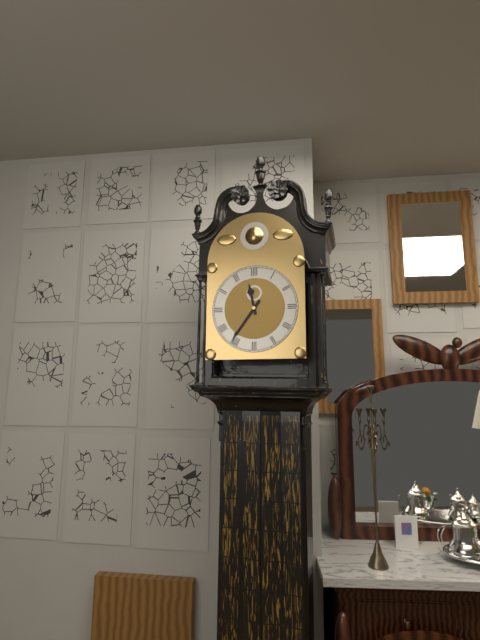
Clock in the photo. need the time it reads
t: 11:36
